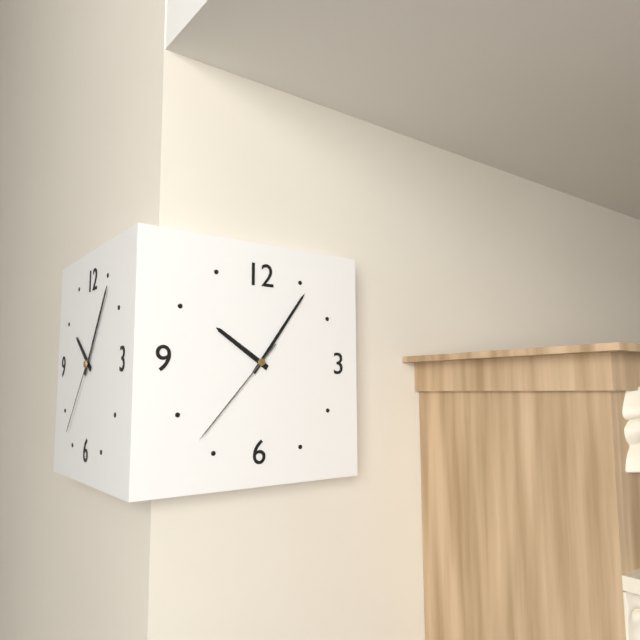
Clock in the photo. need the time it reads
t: 10:06:37
